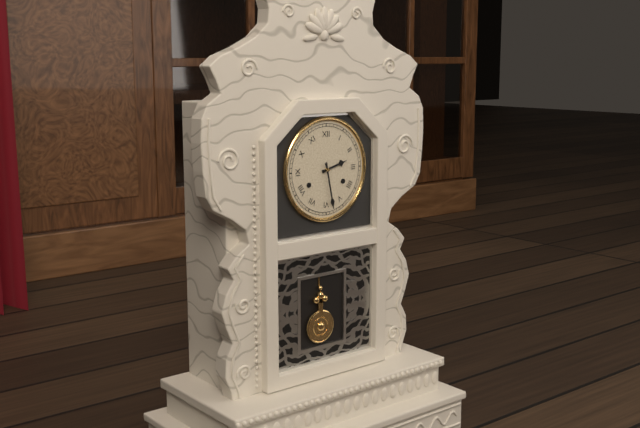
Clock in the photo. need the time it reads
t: 2:28
